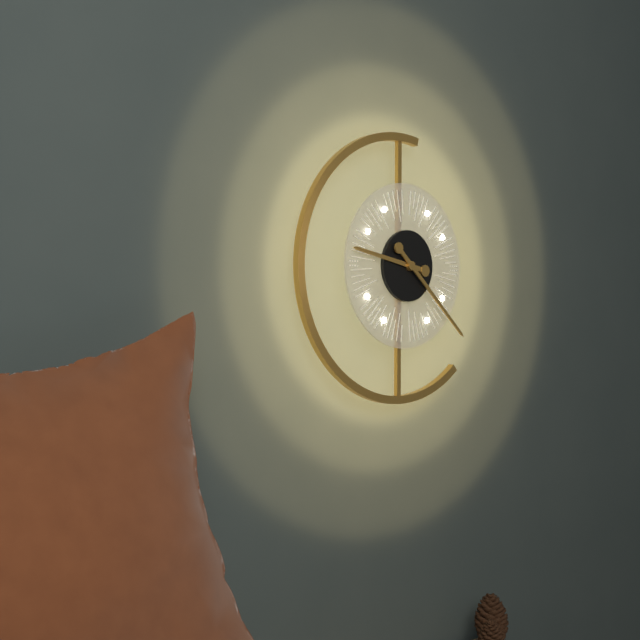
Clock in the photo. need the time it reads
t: 9:22
